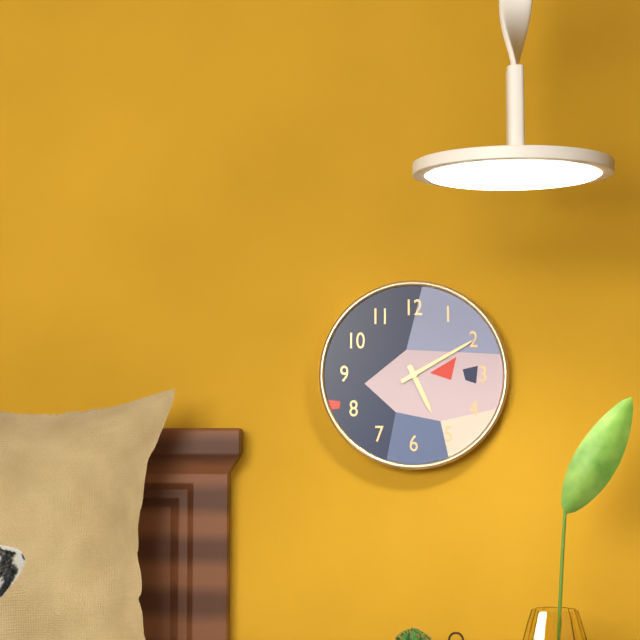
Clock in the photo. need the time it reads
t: 5:10
